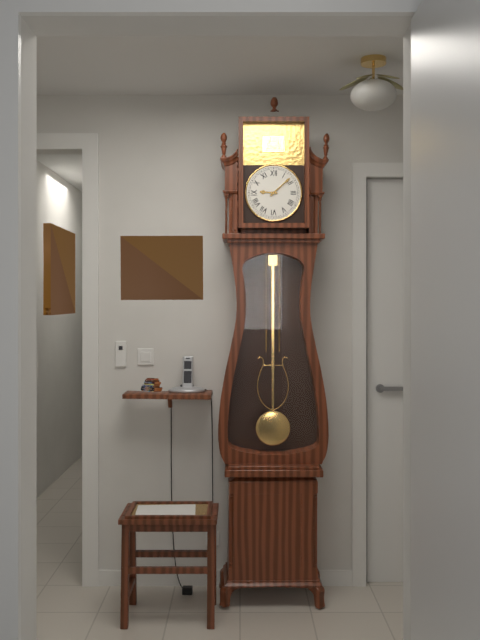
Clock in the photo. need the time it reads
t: 9:08
